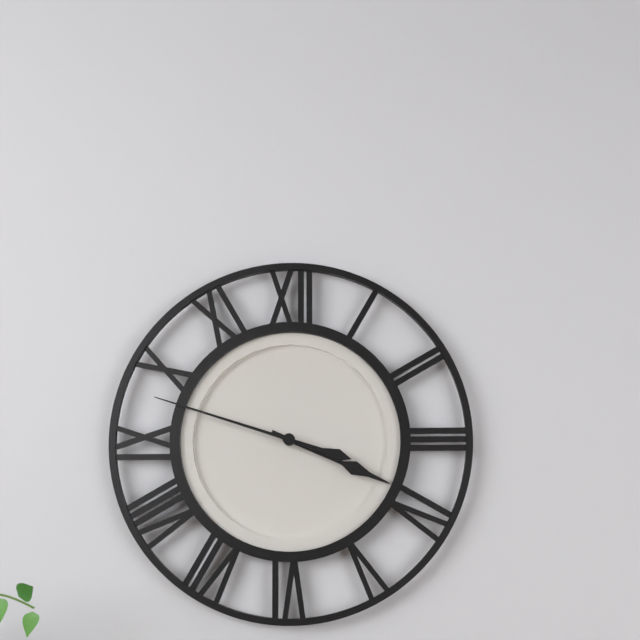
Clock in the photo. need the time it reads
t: 3:48
